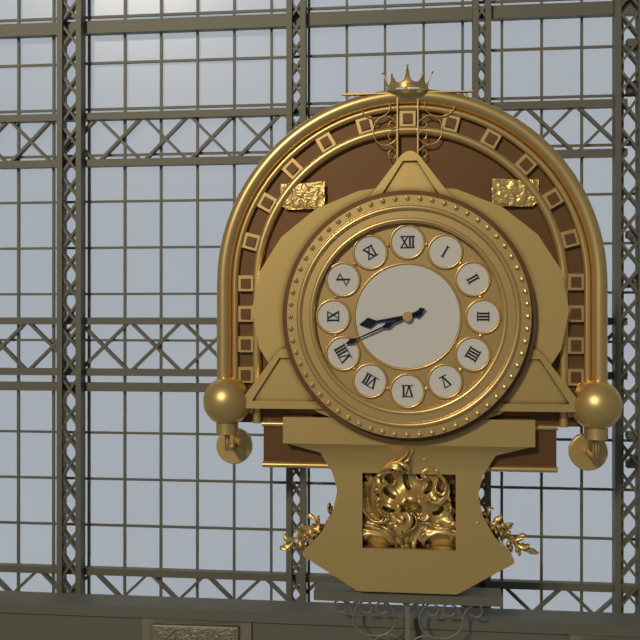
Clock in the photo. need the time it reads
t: 8:41
